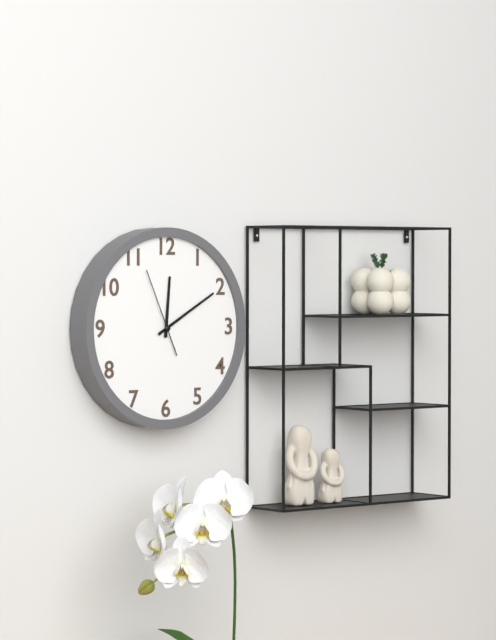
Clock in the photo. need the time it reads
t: 12:10:56
